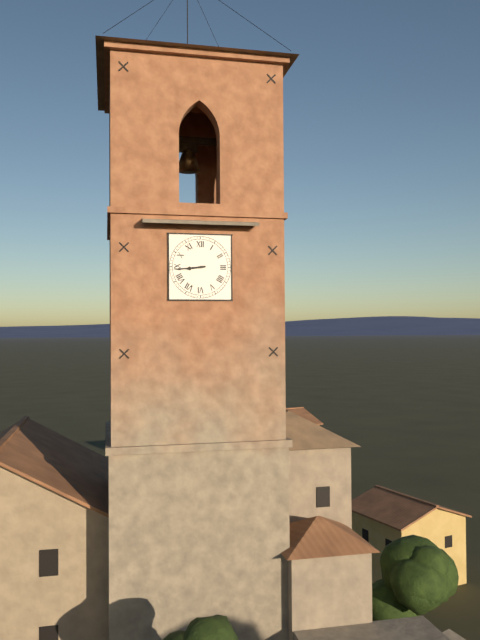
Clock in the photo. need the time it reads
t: 8:44
